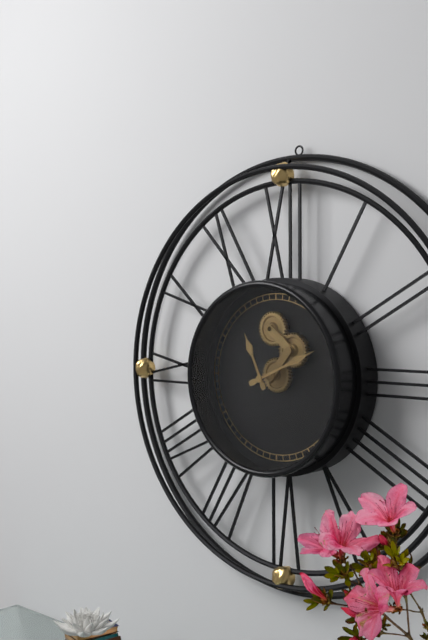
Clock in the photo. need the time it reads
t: 11:11
